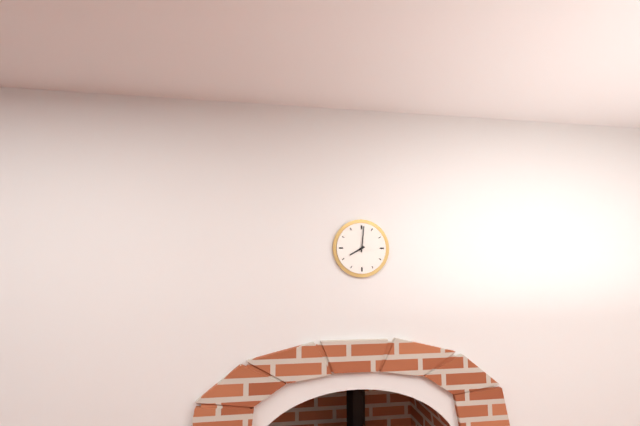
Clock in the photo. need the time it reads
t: 8:01
